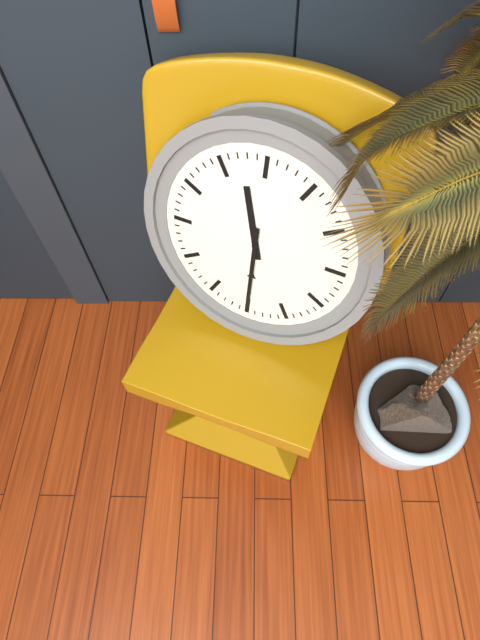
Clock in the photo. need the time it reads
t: 11:30
